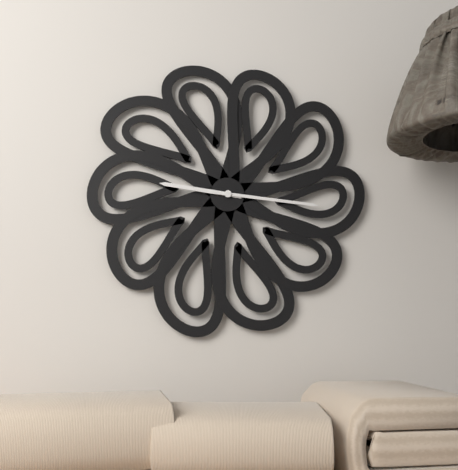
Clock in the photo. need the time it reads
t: 9:16
